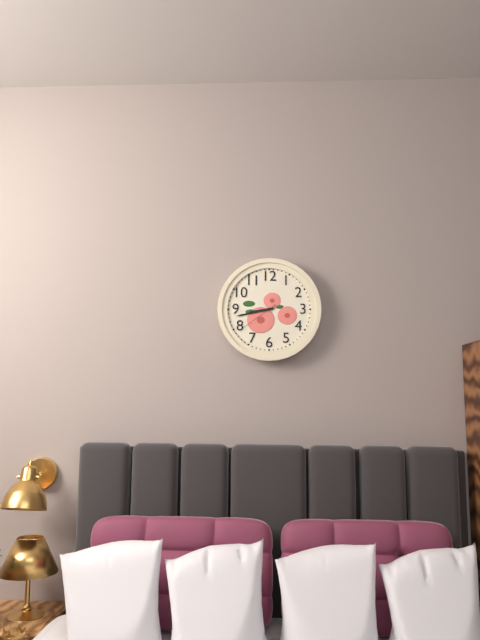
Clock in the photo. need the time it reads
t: 8:43
